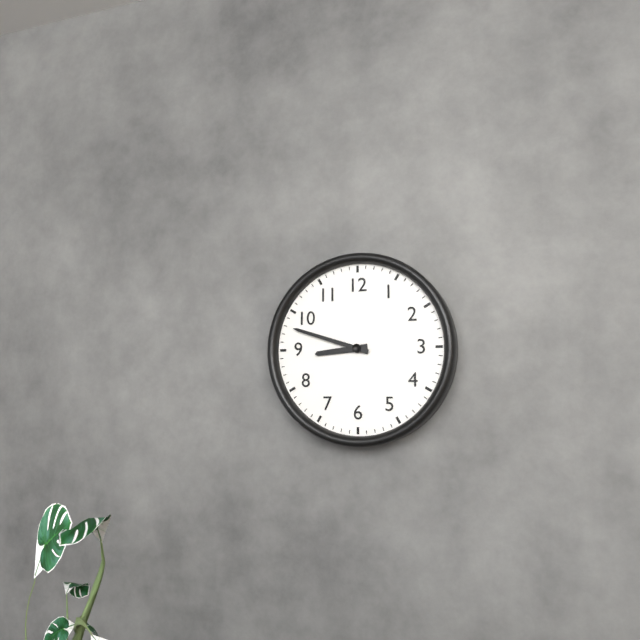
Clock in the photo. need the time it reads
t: 8:48
